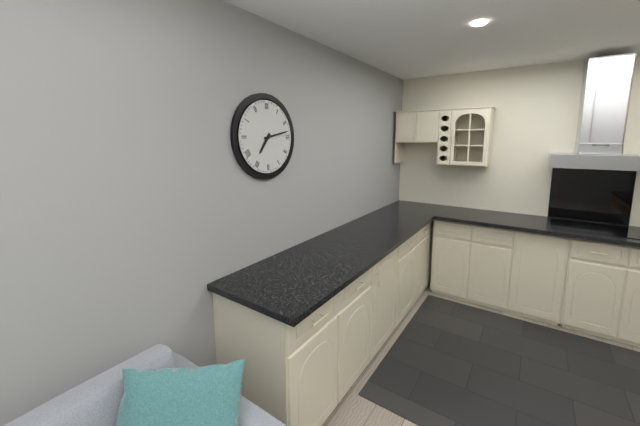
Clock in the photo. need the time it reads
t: 7:13
